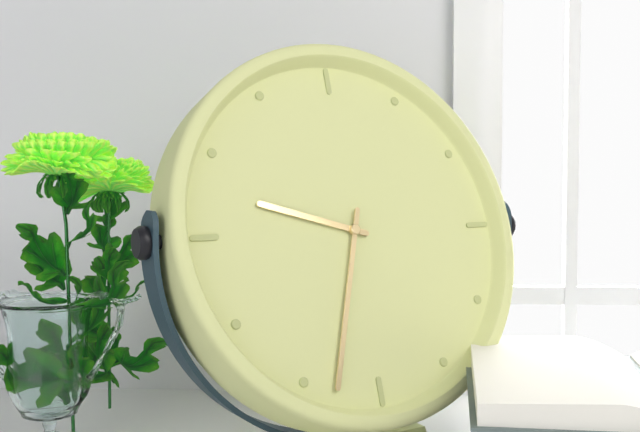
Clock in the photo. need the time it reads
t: 9:33
